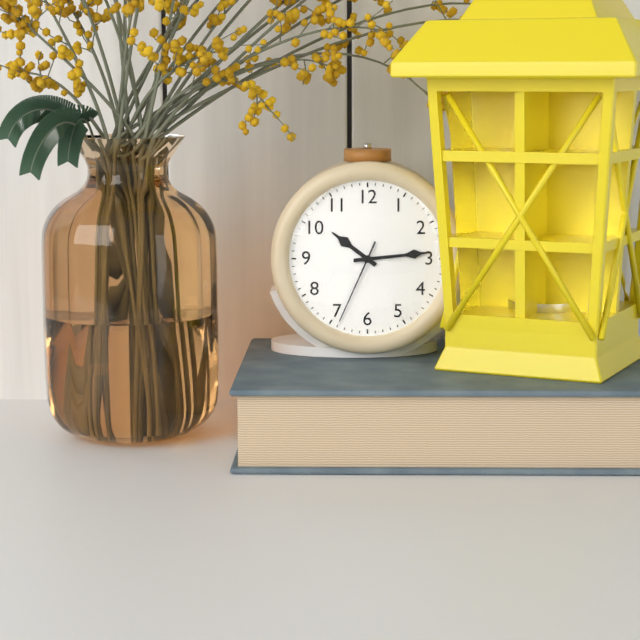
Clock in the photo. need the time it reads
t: 10:14:34
